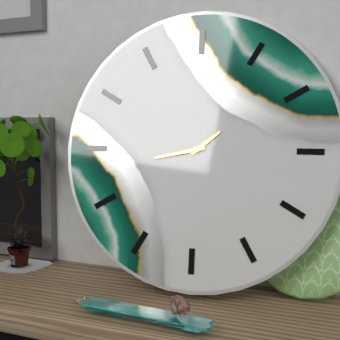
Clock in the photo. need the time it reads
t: 1:43
